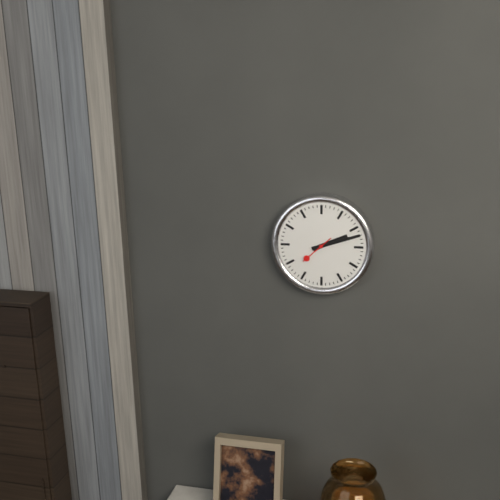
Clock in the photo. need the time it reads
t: 2:12
